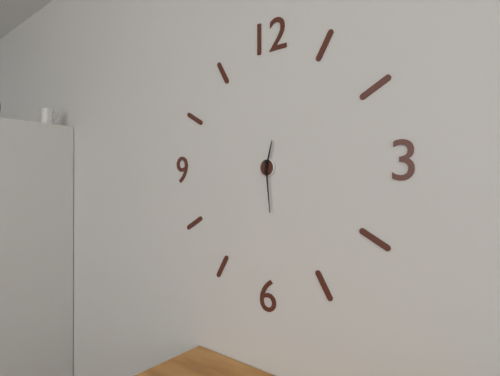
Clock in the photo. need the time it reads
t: 12:29
